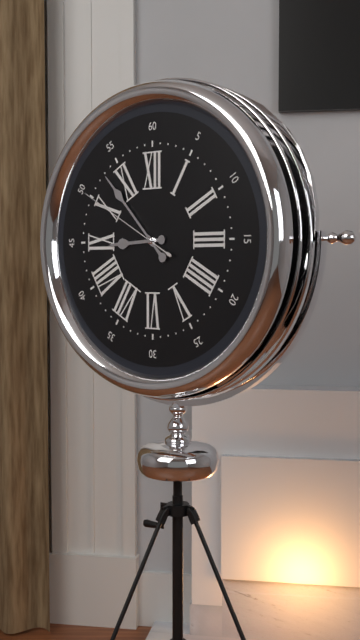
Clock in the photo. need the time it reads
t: 8:53:50
